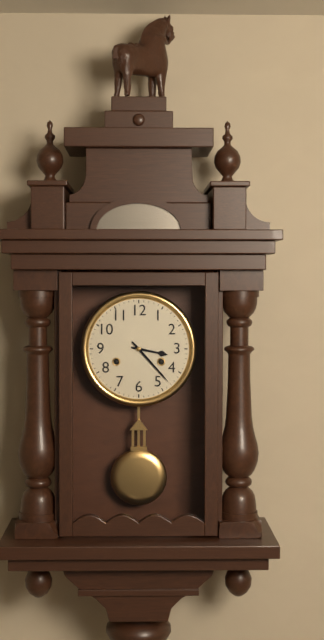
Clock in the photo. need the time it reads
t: 3:23
